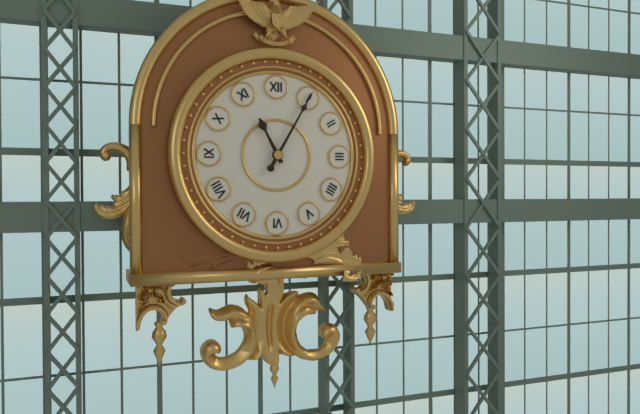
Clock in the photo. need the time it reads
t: 11:05
